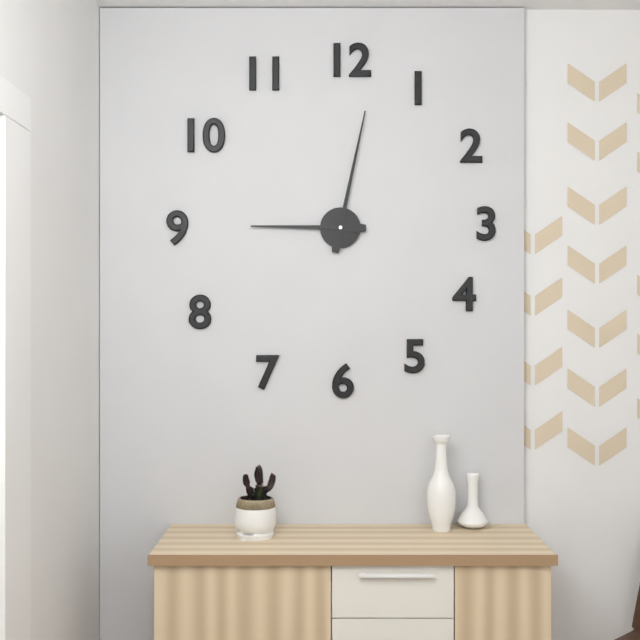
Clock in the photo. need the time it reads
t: 9:02
